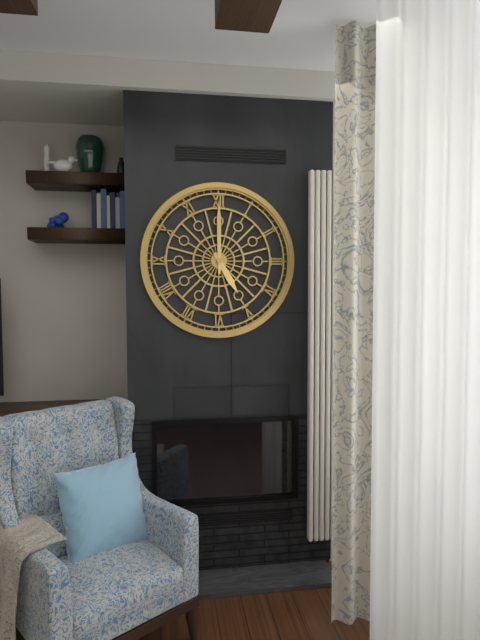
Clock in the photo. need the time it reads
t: 5:00
